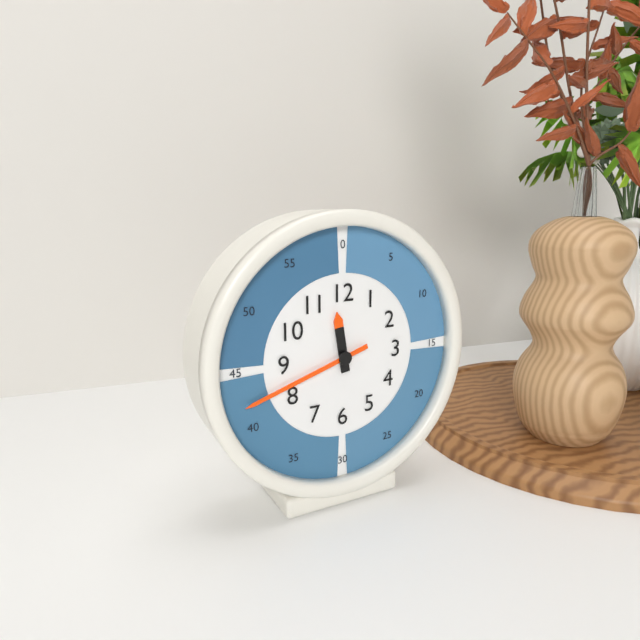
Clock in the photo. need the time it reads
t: 11:42
